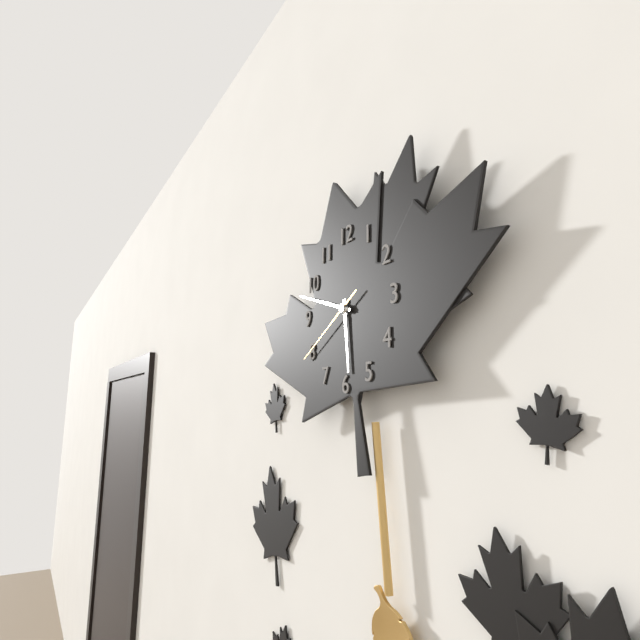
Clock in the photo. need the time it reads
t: 5:48:40
